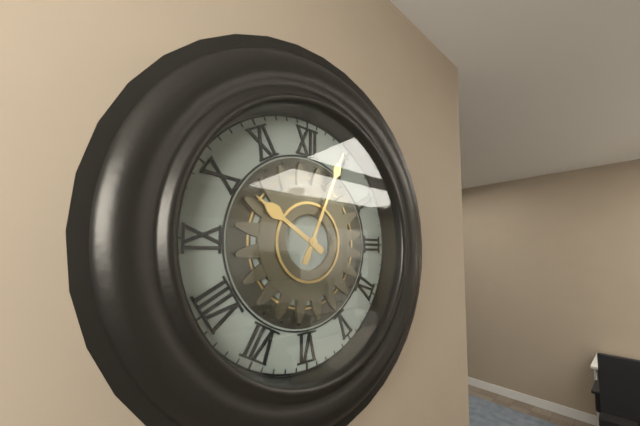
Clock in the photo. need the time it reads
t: 10:04
